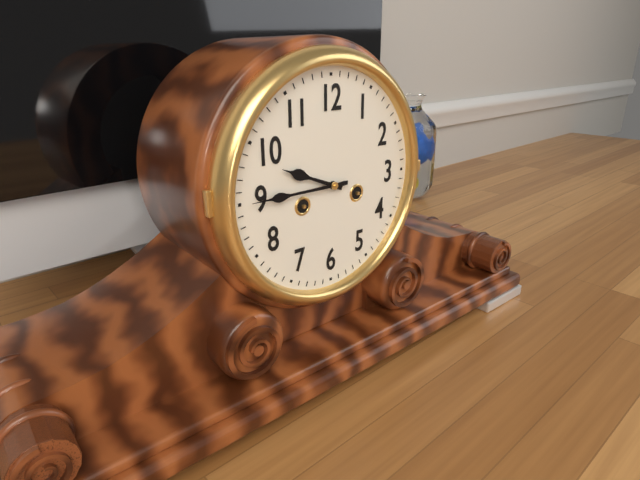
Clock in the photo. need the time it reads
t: 9:45
